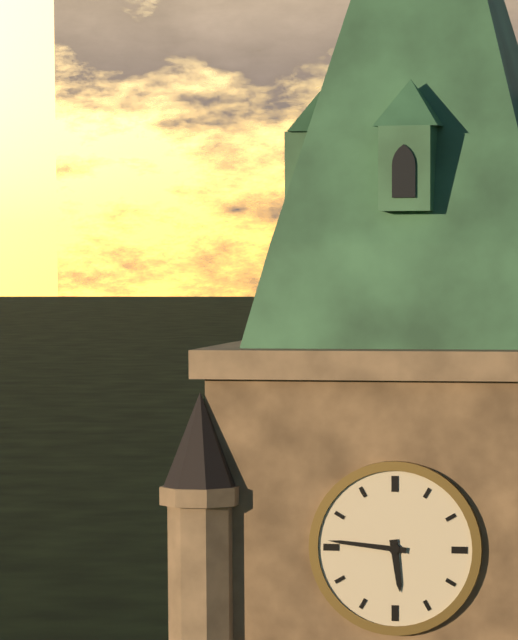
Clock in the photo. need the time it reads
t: 5:46
